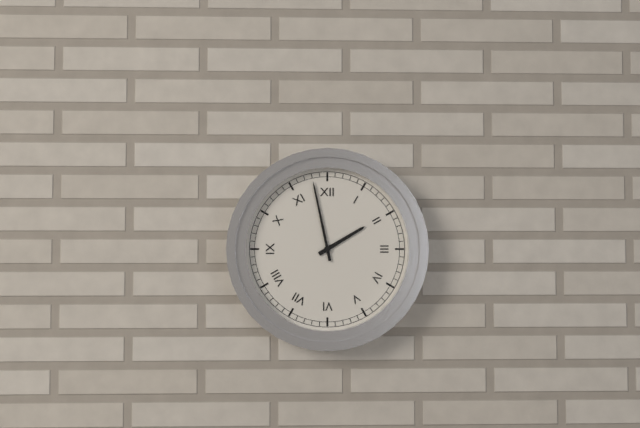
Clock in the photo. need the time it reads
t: 1:58
